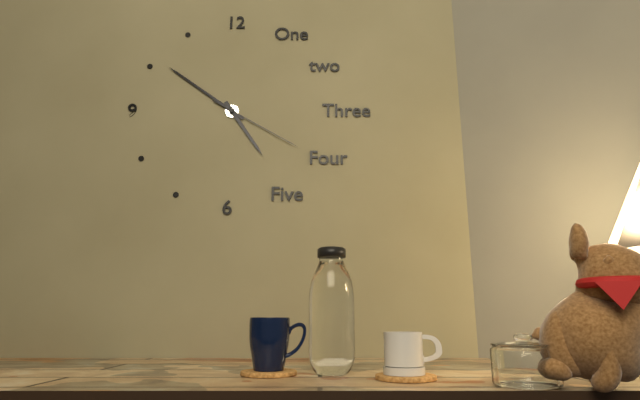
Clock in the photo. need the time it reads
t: 4:51:20
